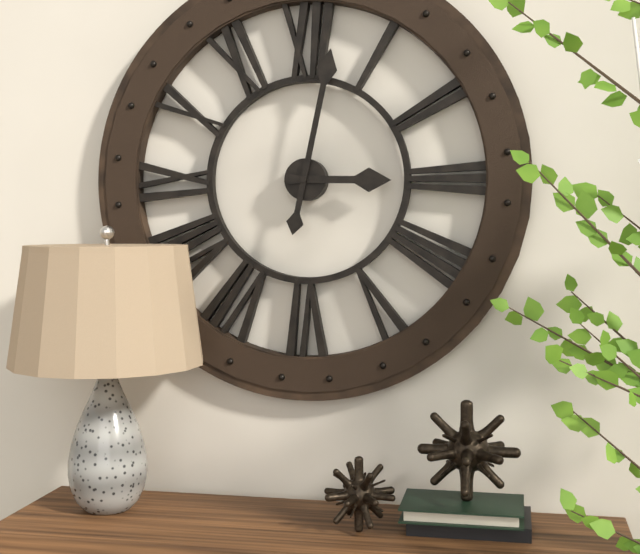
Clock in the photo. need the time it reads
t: 3:02
